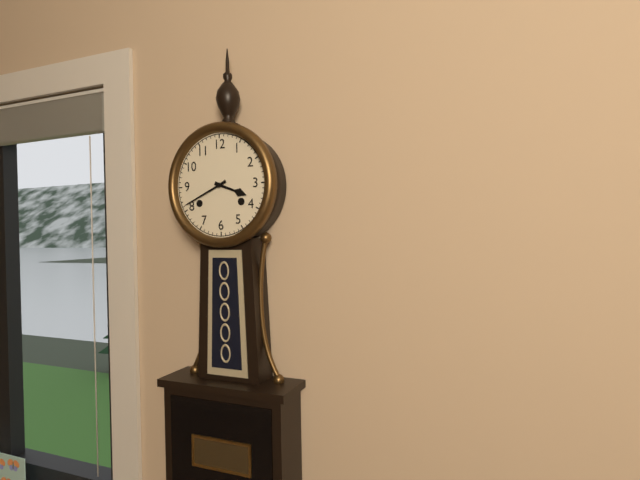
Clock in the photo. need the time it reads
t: 3:41
